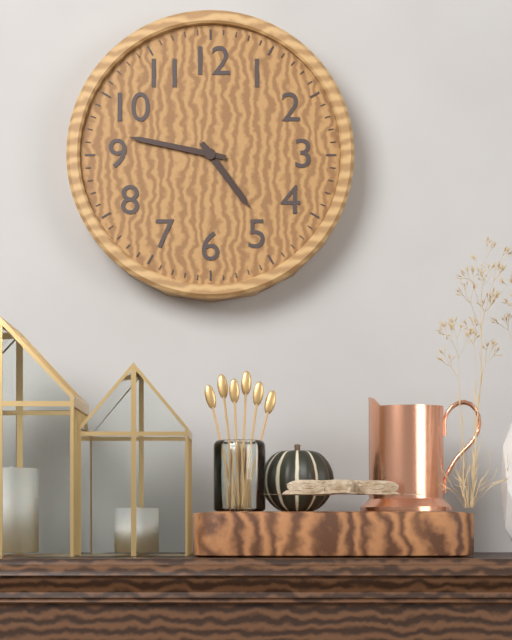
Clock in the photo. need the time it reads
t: 4:47
